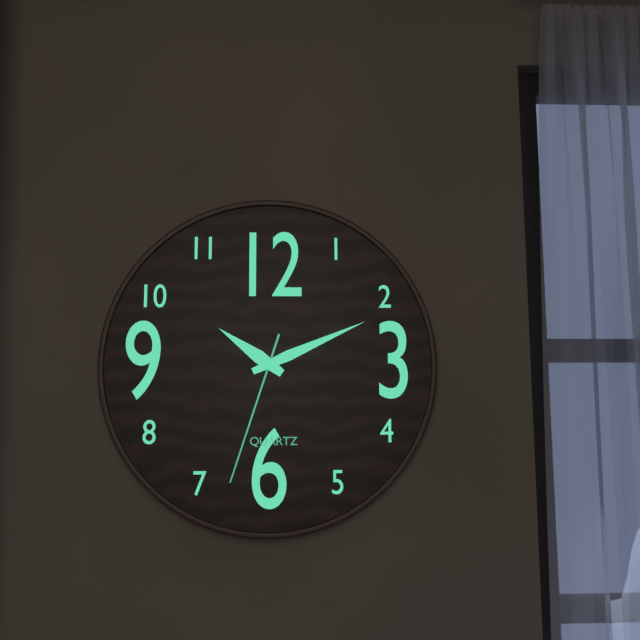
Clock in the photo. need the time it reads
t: 10:11:33
